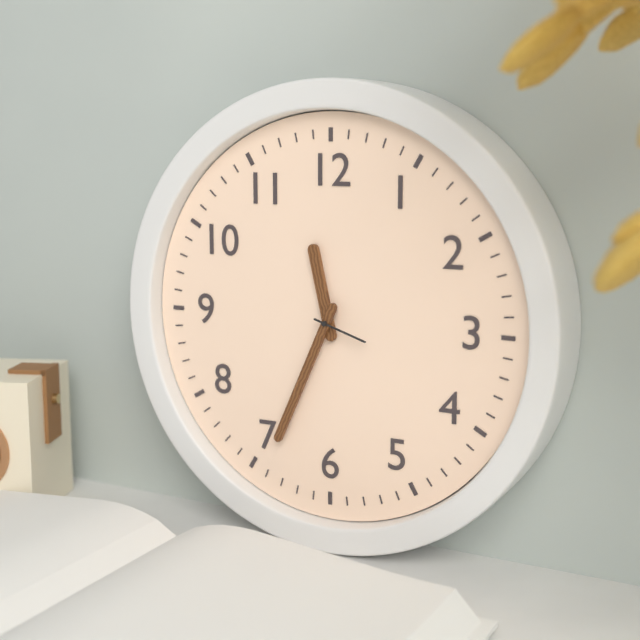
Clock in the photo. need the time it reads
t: 11:34:18
